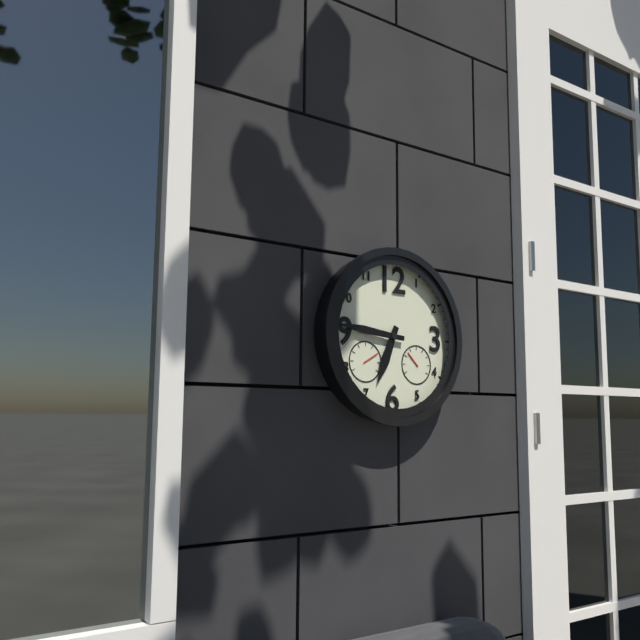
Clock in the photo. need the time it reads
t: 6:46
